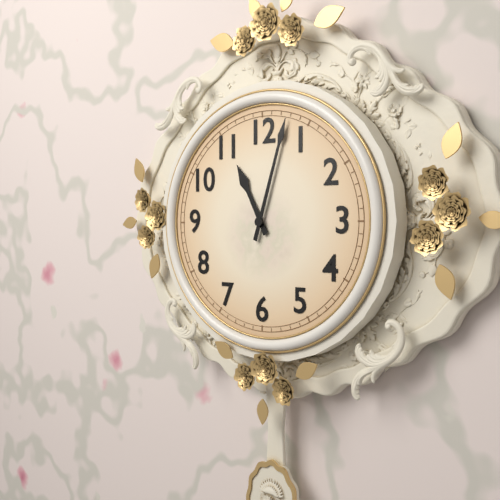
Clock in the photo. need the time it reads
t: 11:03
